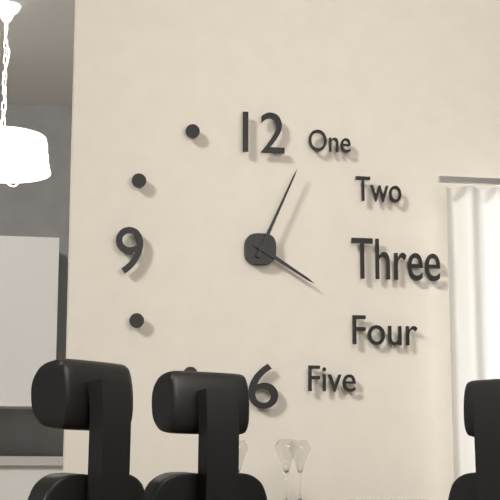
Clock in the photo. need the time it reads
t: 4:04
